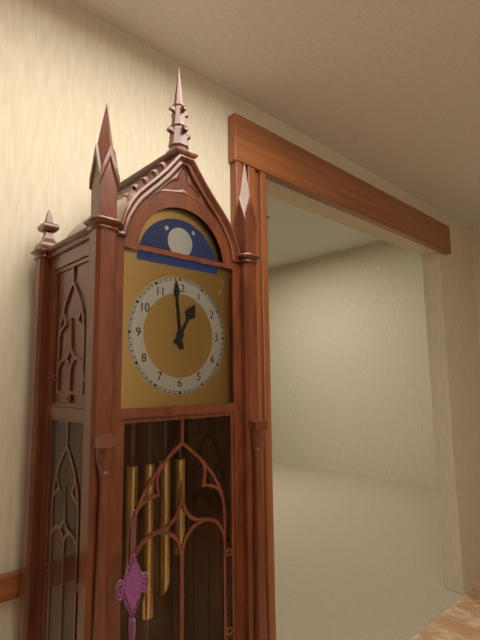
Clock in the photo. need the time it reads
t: 12:59
